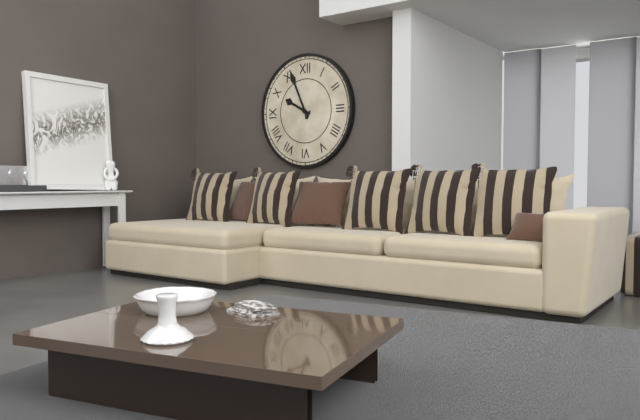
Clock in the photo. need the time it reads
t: 9:56
